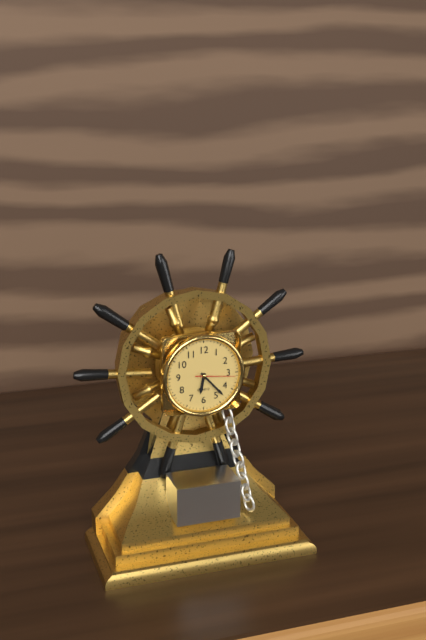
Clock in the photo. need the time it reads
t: 6:23
